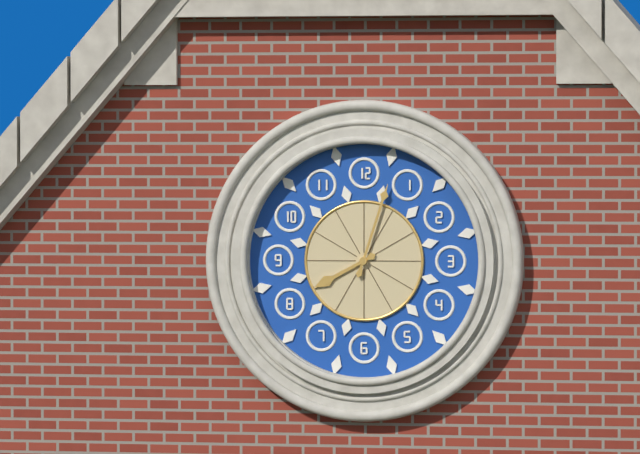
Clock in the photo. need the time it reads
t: 8:03
